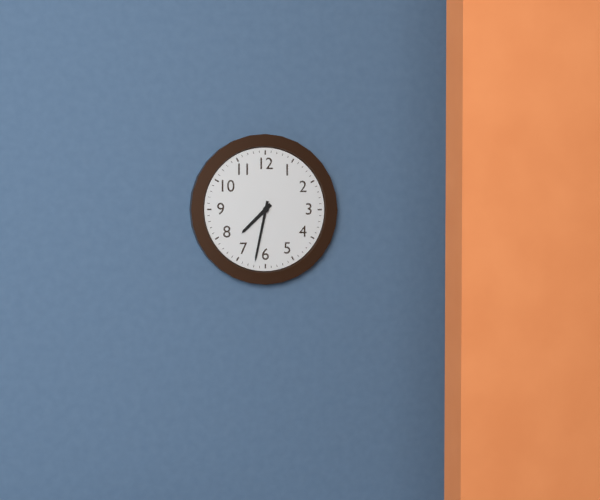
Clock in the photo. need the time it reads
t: 7:32
